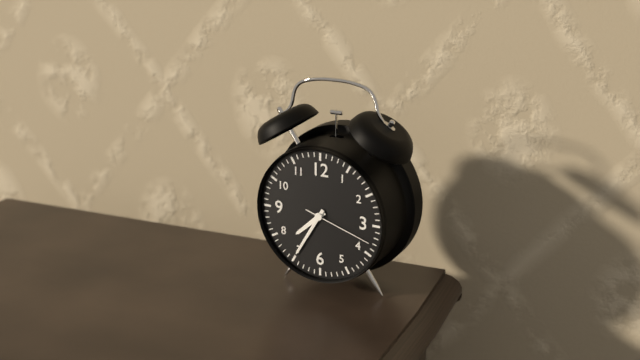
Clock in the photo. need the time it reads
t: 7:35:18
